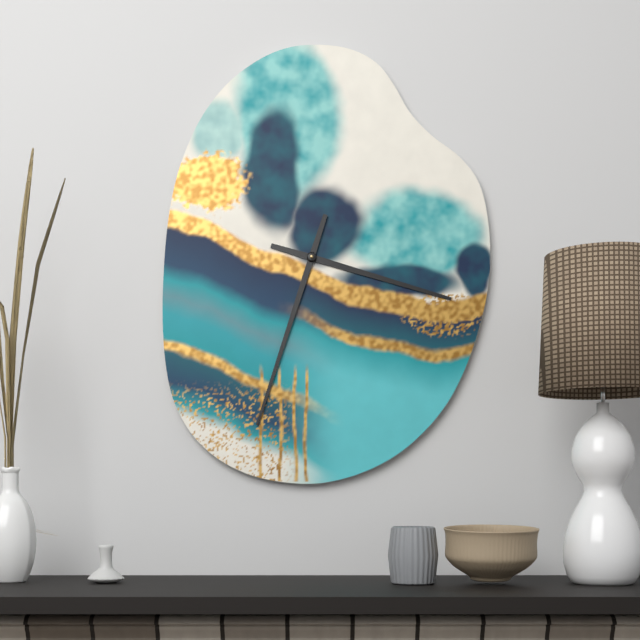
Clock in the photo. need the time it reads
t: 3:33
